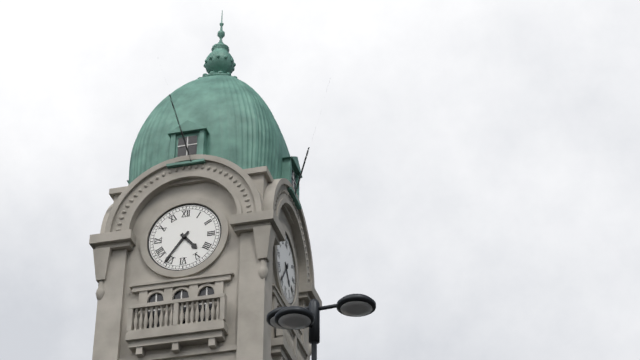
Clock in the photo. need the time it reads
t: 4:36
